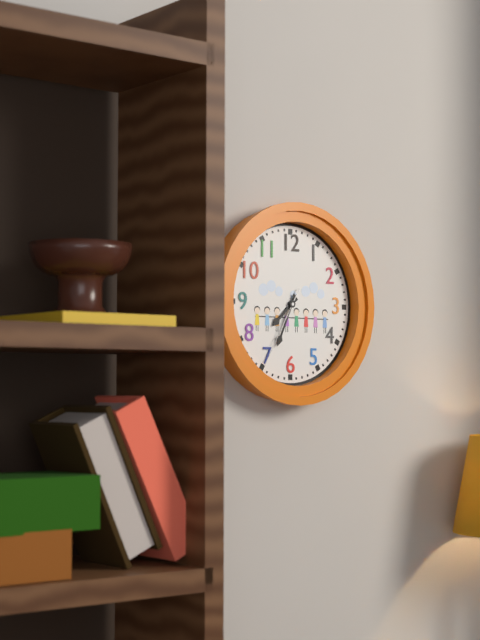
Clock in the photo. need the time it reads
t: 7:34:35
